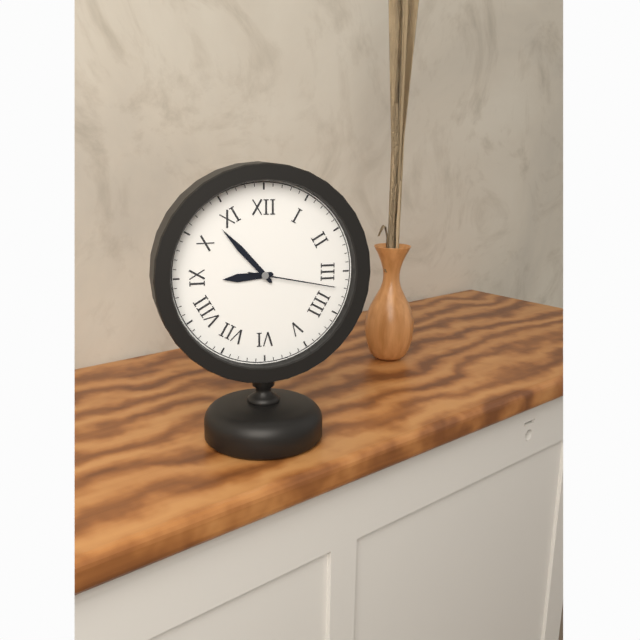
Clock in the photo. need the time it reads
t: 8:53:17
